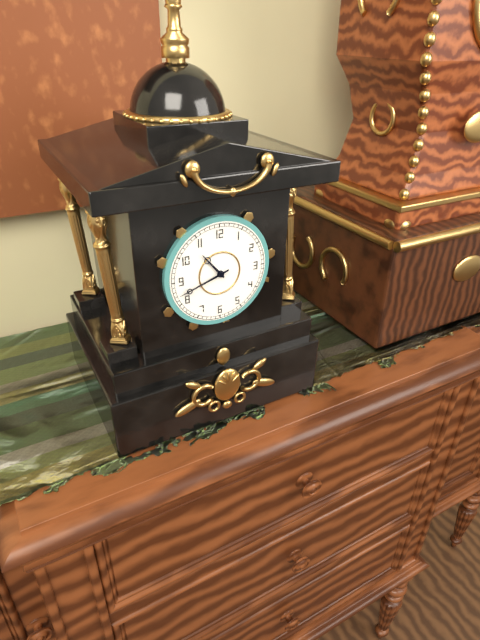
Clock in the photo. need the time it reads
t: 10:42
